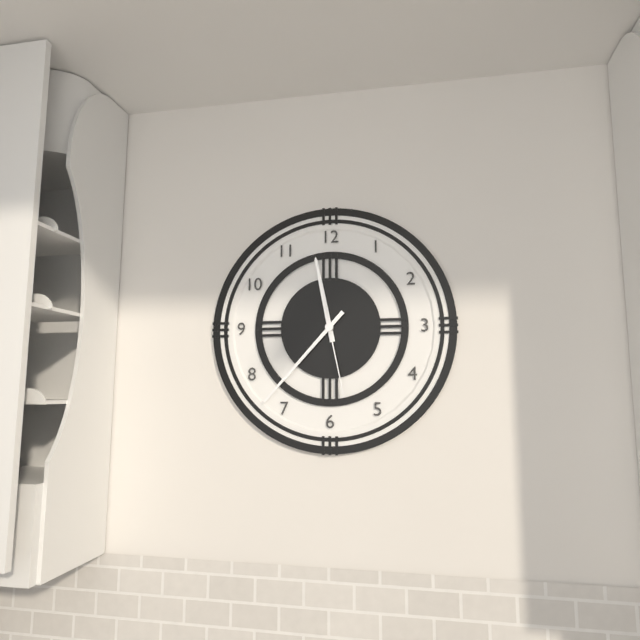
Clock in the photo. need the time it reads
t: 11:37:28
